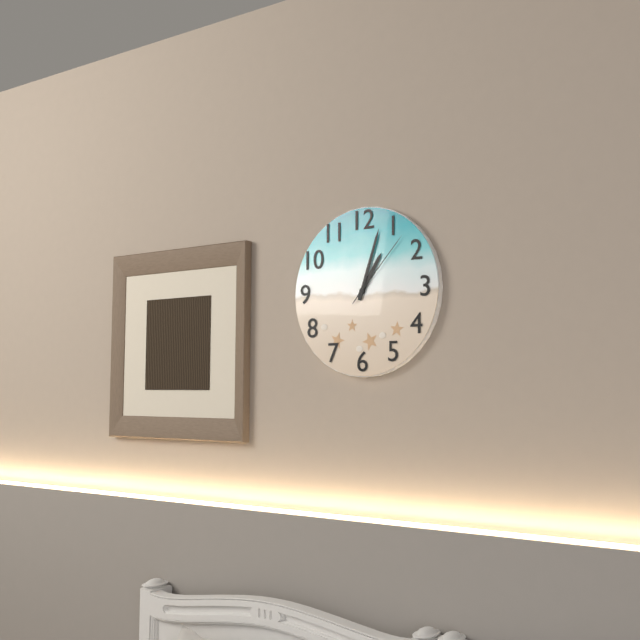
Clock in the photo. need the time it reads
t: 1:03:07
